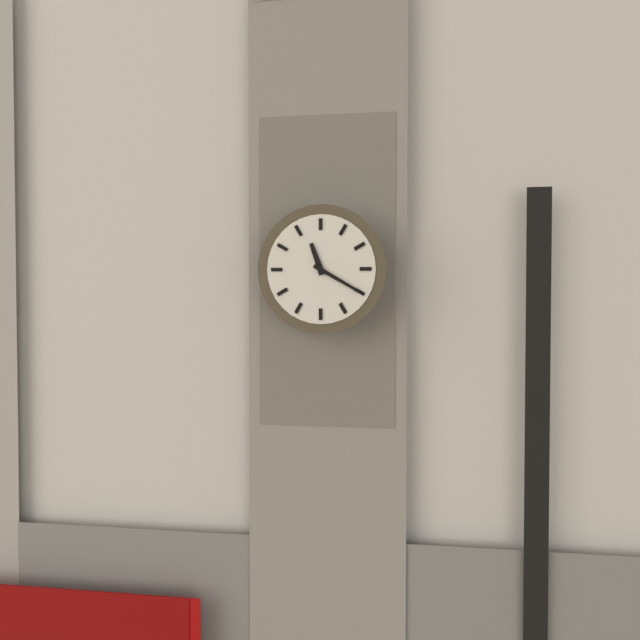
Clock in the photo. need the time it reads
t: 11:20
